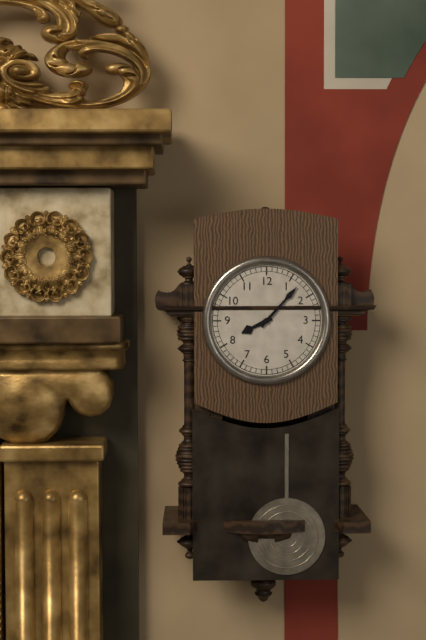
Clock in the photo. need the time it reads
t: 8:07
